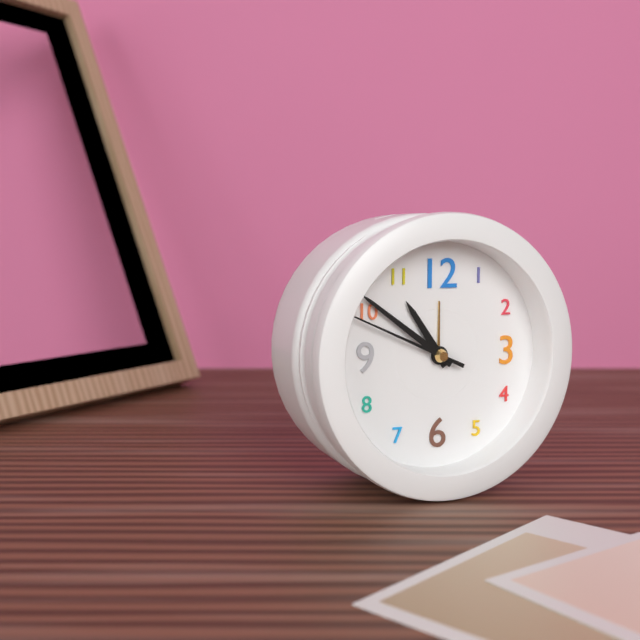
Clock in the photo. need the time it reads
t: 10:51:49
